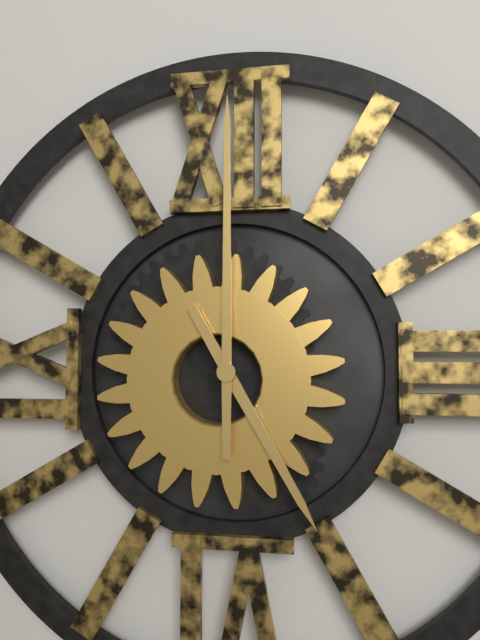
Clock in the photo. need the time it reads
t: 5:00
